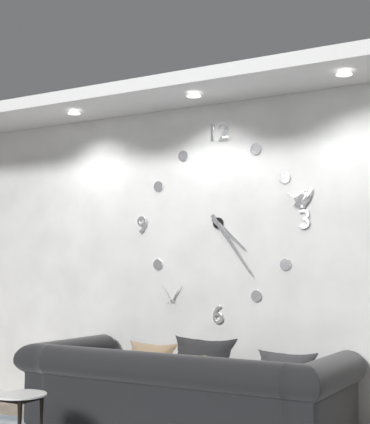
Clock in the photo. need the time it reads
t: 4:24
